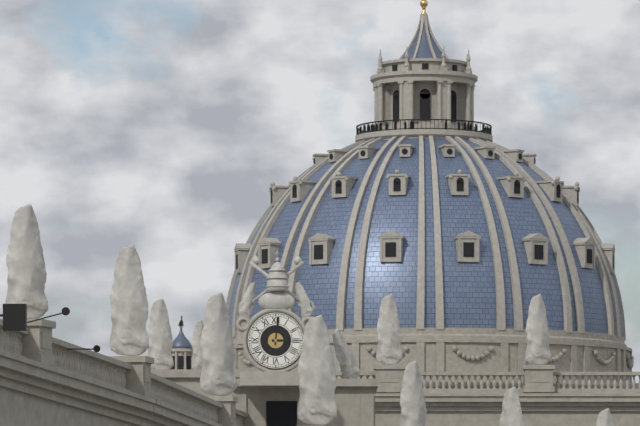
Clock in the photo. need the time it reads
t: 3:01
